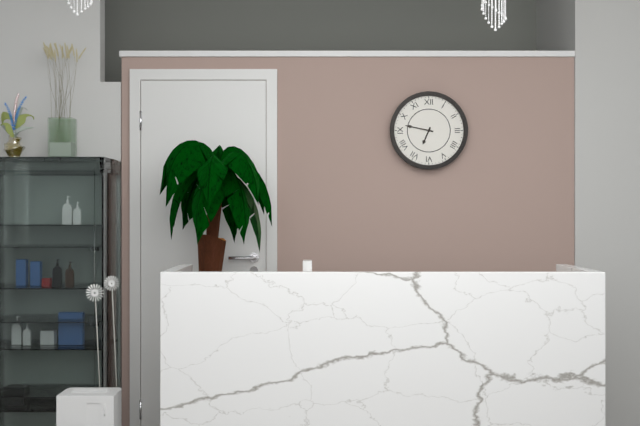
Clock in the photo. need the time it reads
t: 6:47
